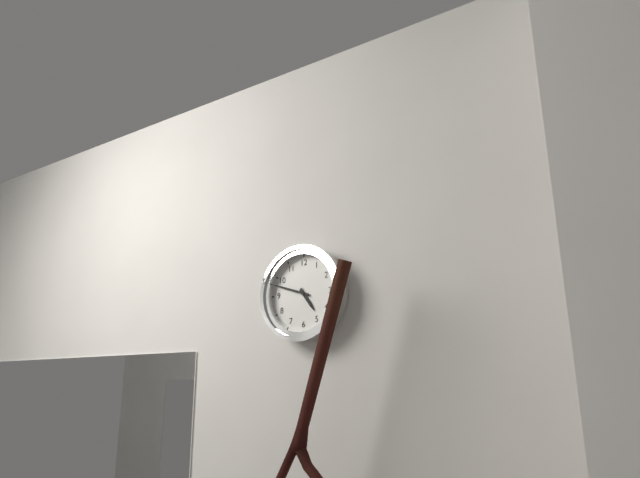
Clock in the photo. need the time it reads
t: 4:48
